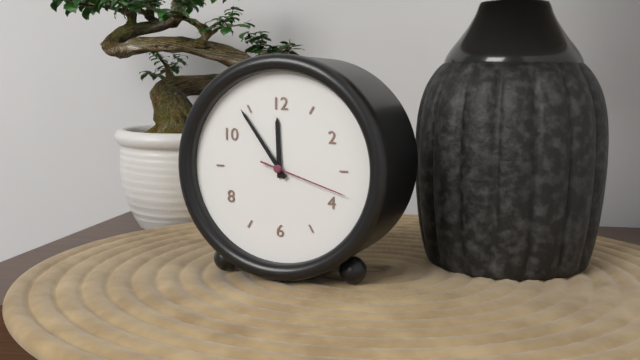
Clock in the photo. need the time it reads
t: 11:54:18
